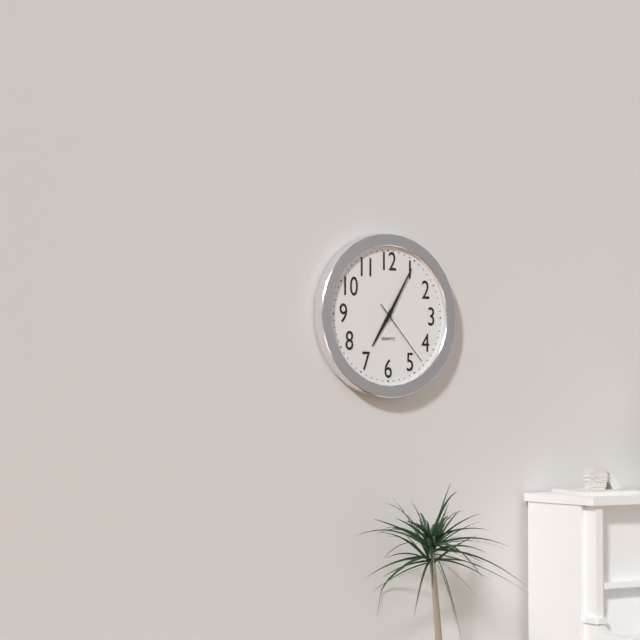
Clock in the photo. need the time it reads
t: 7:05:23
